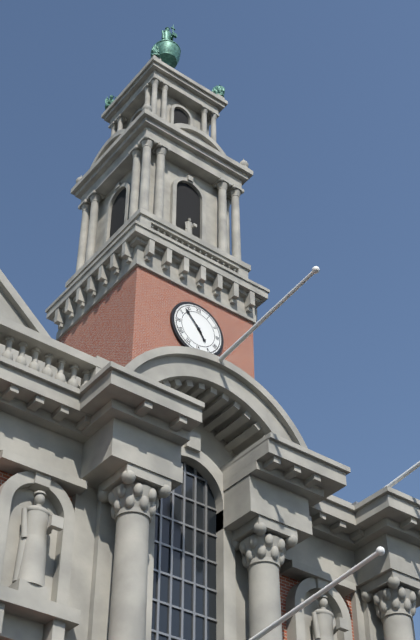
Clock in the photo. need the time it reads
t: 4:53
